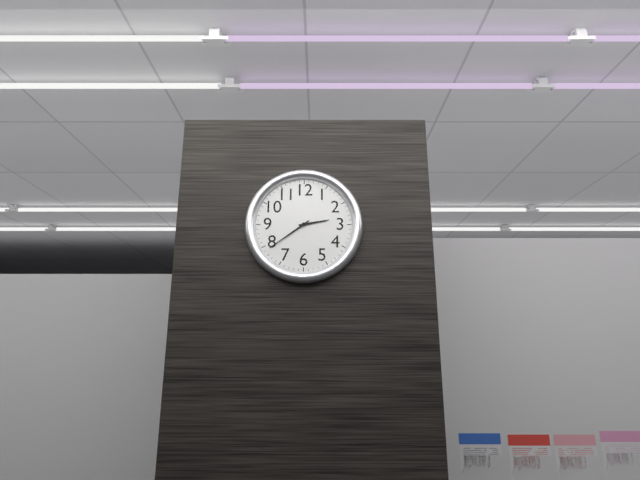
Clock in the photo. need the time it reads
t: 2:39
